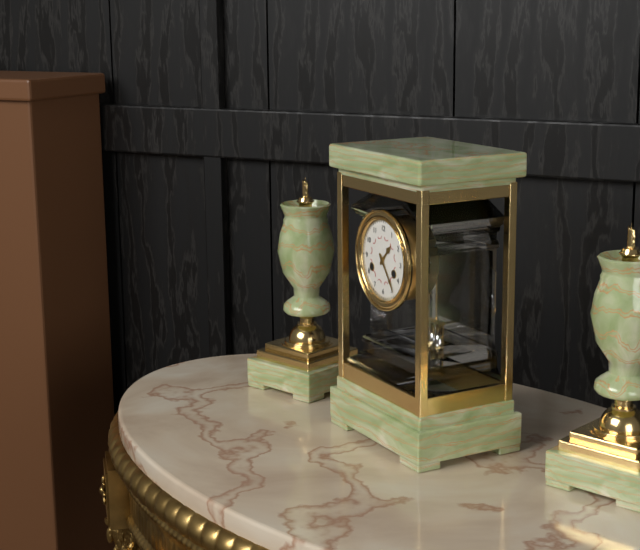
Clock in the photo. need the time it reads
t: 1:24
